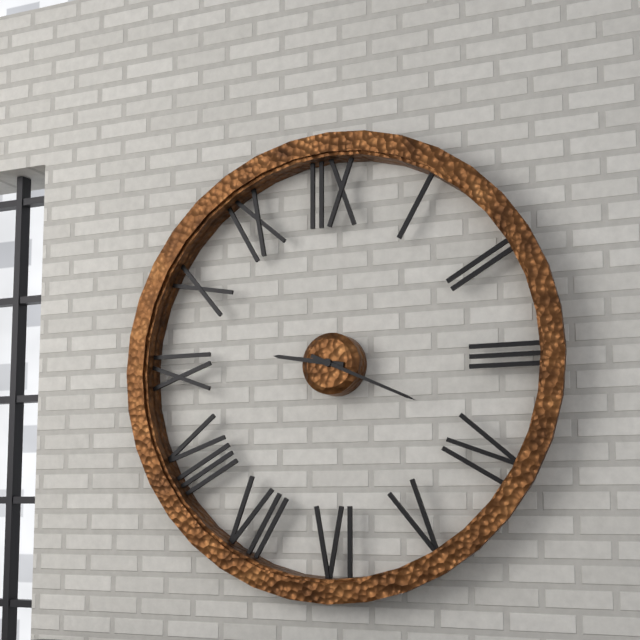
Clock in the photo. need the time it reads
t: 9:19
